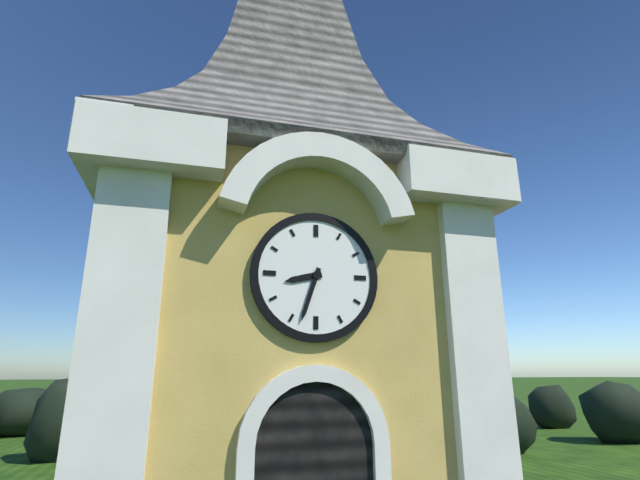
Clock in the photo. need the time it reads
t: 8:33
